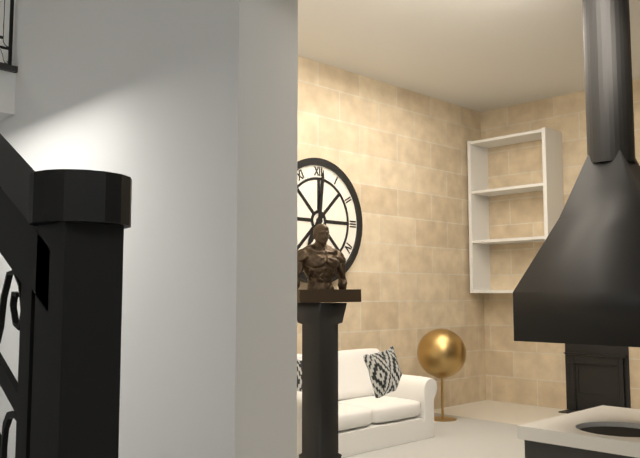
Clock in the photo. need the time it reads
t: 7:01
